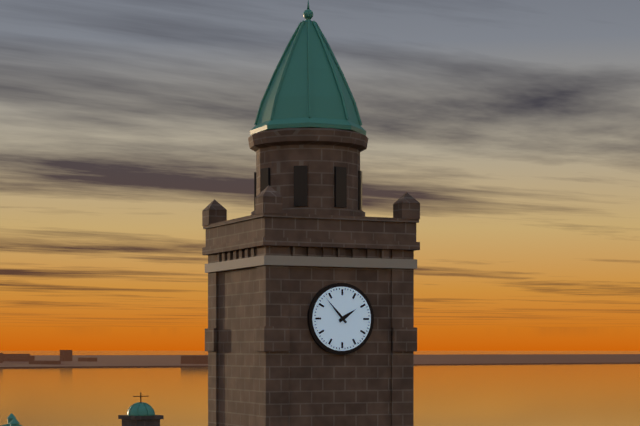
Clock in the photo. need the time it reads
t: 1:53
